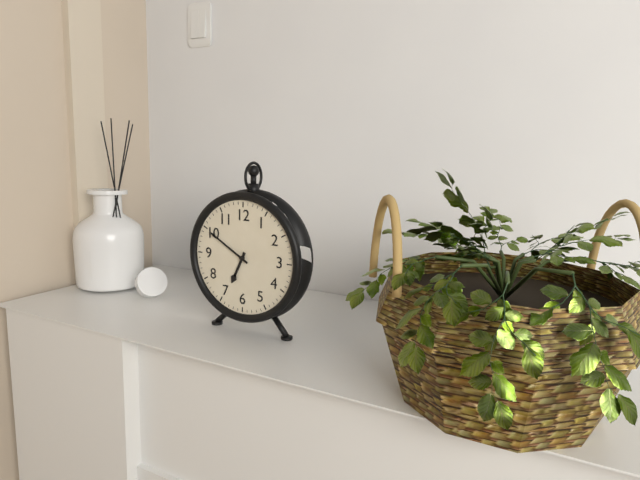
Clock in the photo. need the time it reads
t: 6:50
